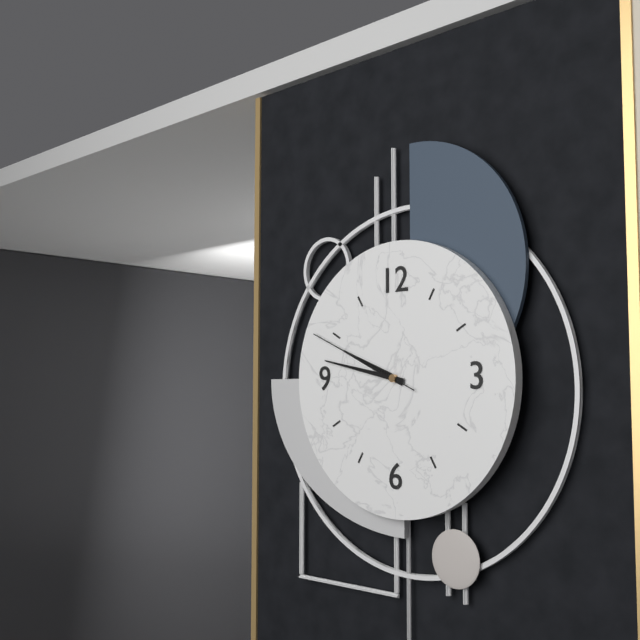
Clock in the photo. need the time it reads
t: 9:47:49
